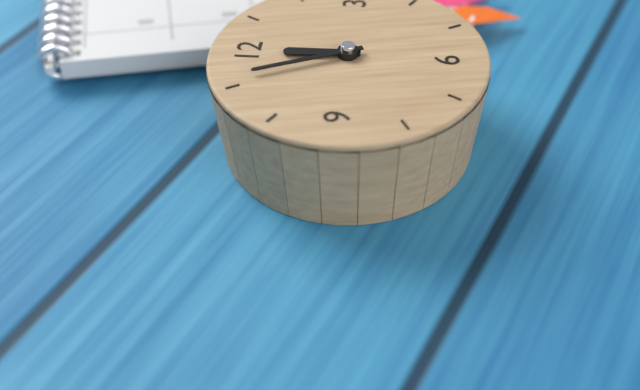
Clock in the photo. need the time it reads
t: 11:56
